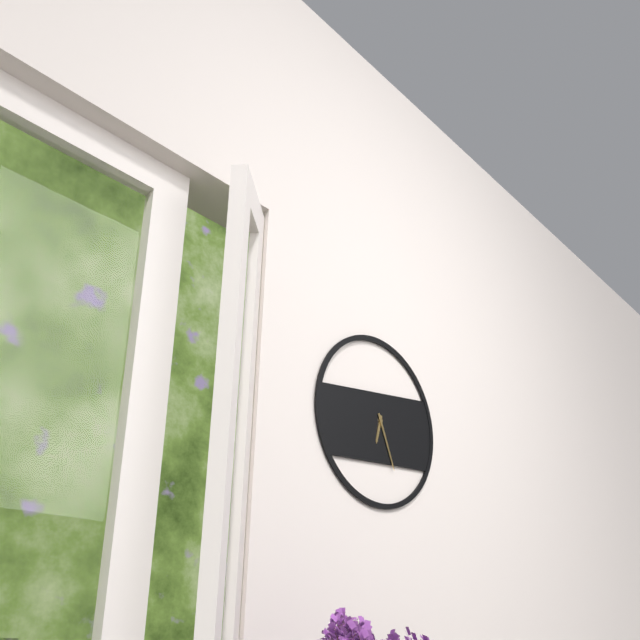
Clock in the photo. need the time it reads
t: 6:26
